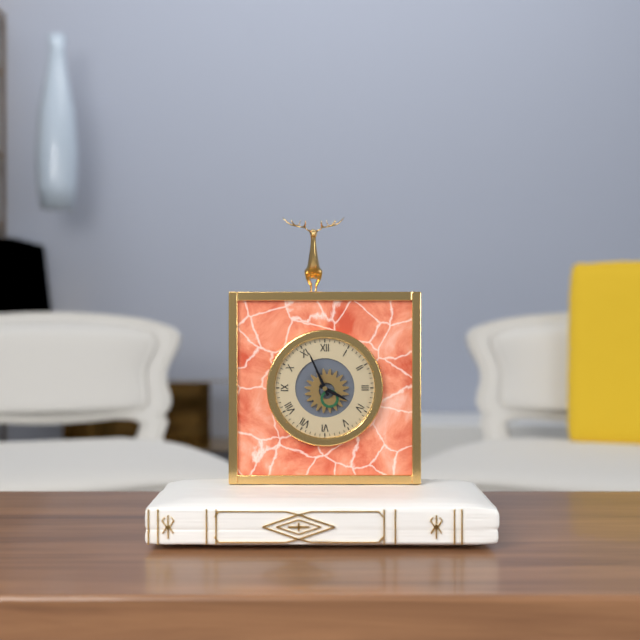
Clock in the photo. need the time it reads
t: 3:56
